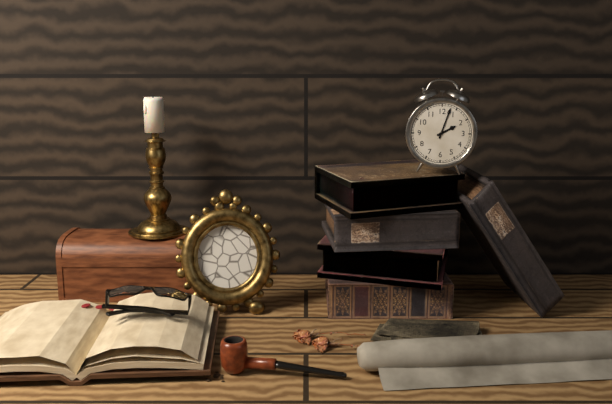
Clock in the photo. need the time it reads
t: 2:03
